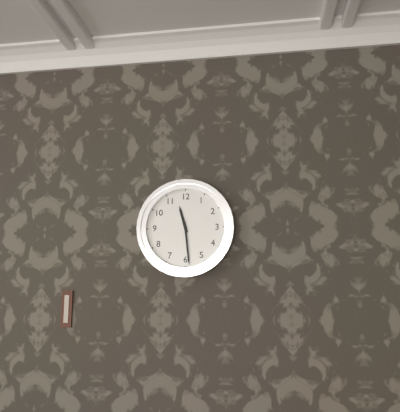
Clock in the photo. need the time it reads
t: 11:29
